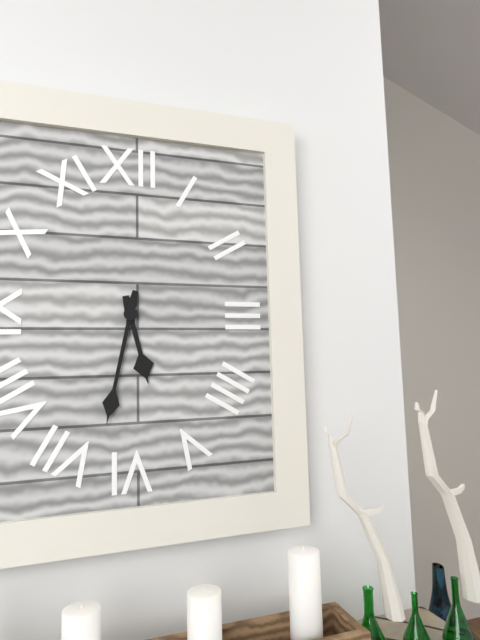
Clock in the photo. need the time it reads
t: 5:32
